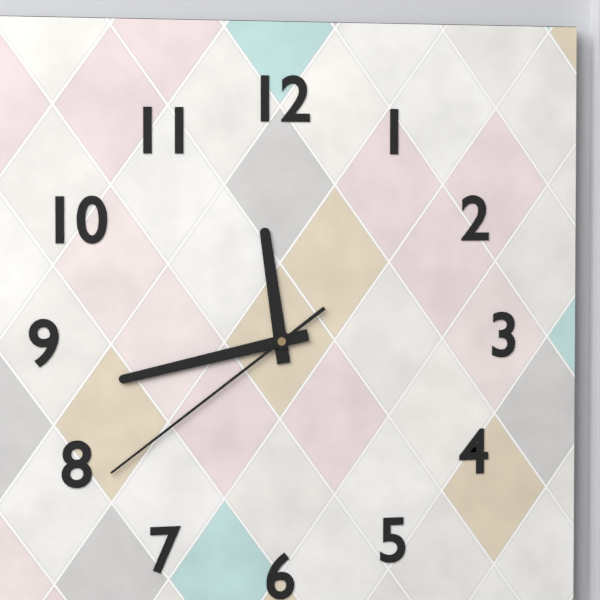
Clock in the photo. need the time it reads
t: 11:43:39
